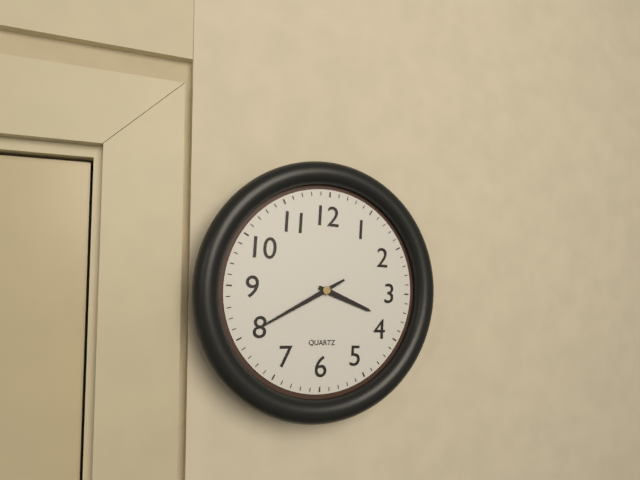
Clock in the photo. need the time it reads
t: 3:40
